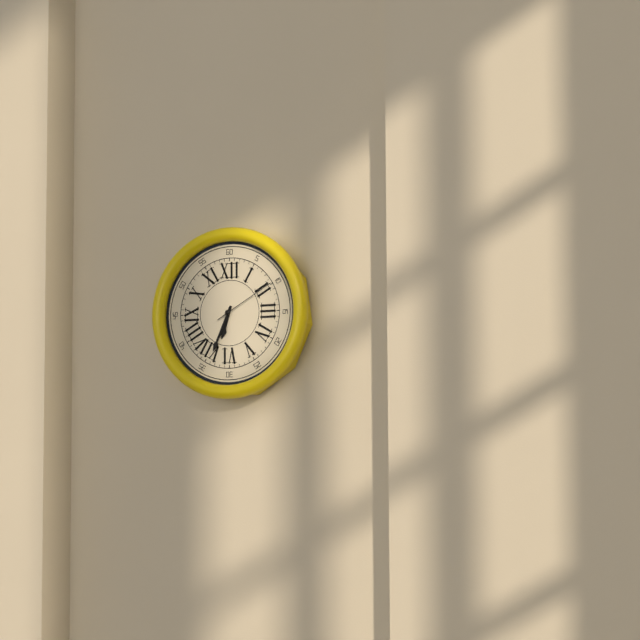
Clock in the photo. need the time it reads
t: 6:34:10
